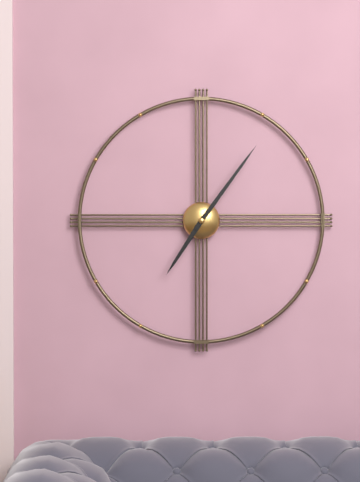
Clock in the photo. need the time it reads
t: 7:06
